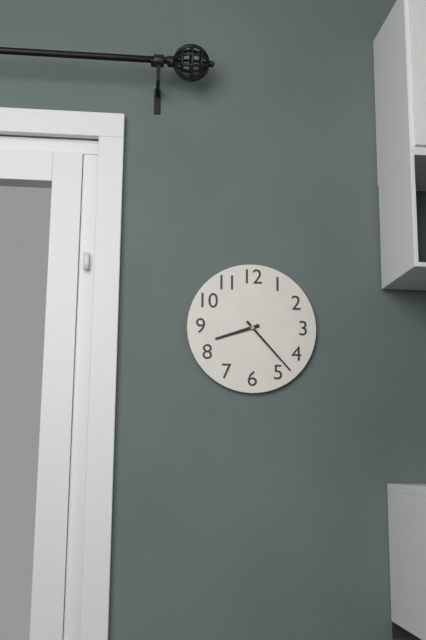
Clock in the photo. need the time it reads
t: 8:23
